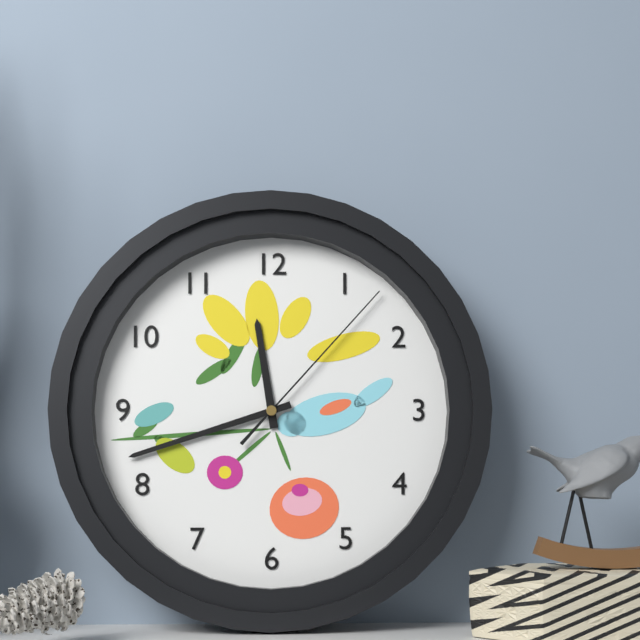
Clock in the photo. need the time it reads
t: 11:42:07
